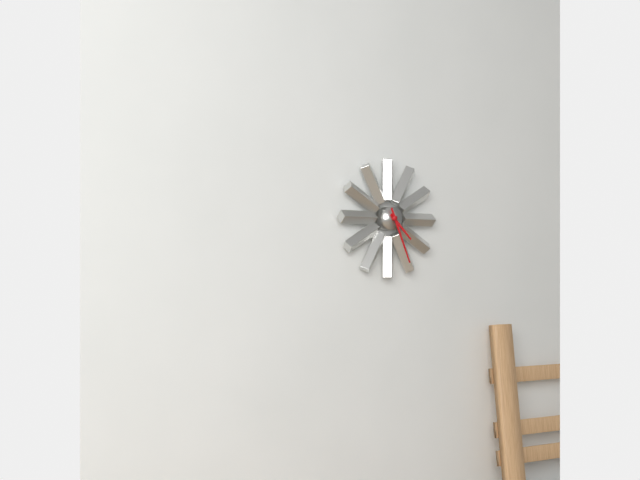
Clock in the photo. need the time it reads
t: 4:26
